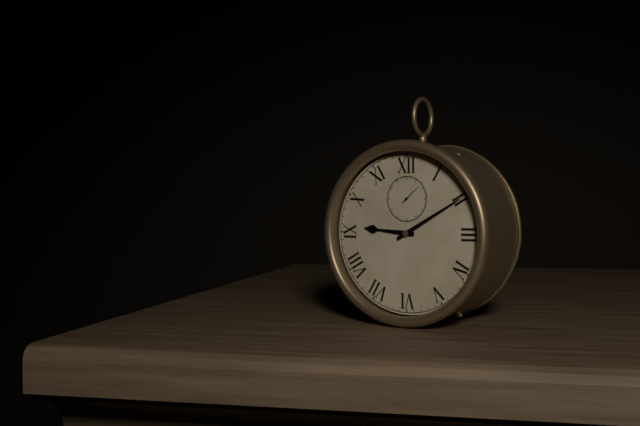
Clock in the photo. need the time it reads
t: 9:10
